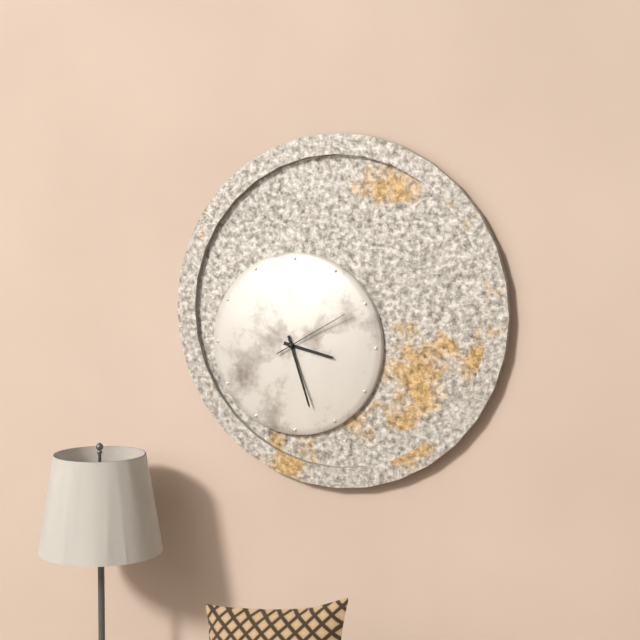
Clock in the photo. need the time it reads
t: 3:27:10
